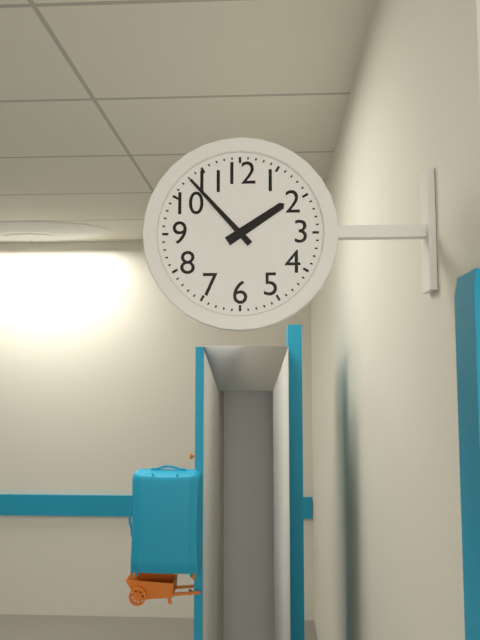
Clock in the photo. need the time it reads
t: 1:53
